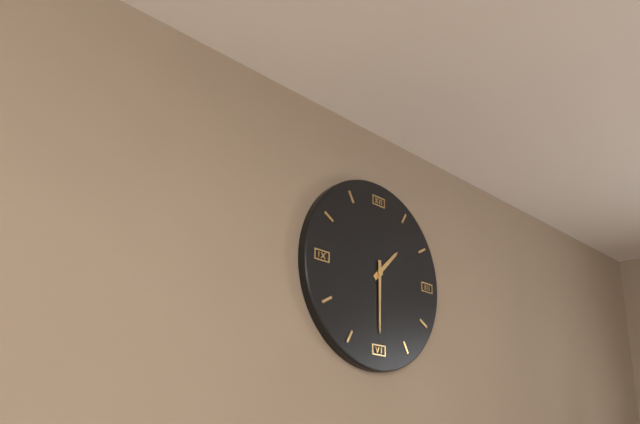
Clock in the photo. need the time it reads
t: 1:30
